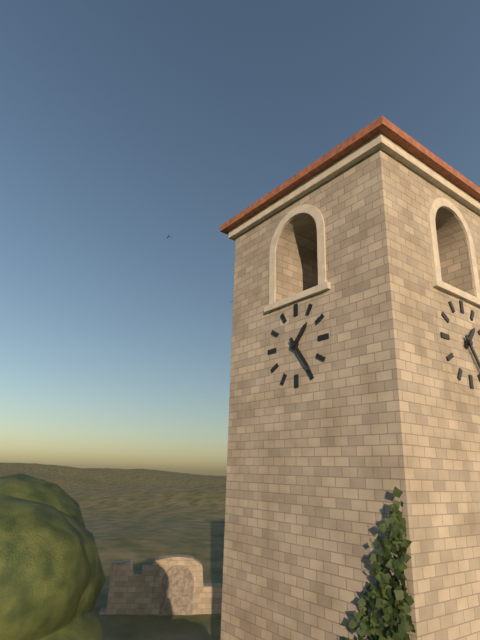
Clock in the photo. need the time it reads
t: 1:24
